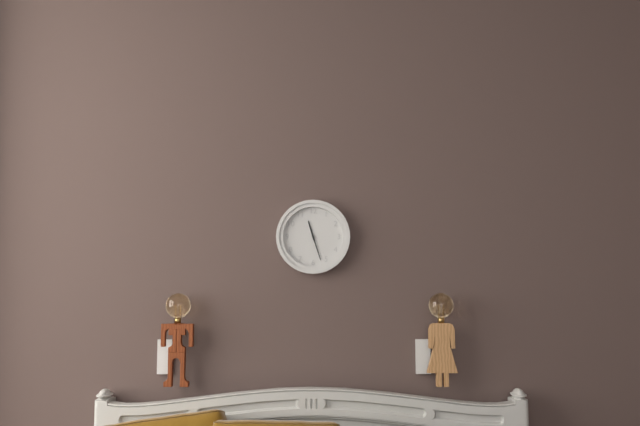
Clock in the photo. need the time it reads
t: 11:27
